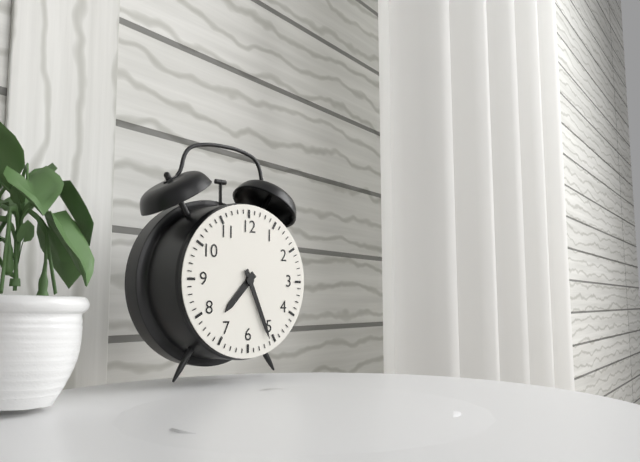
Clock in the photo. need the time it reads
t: 7:26
